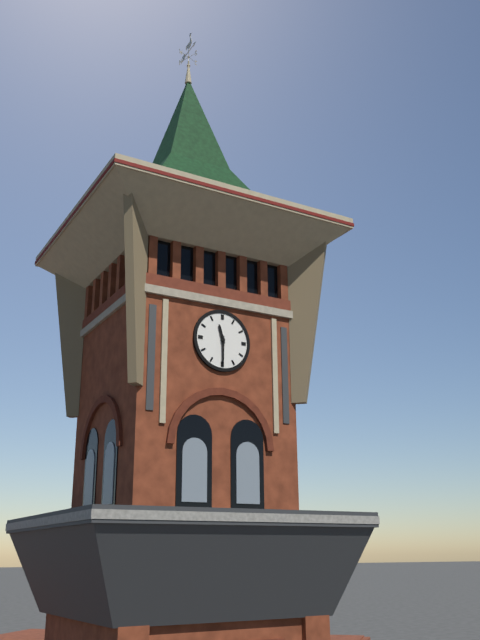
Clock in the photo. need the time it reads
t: 11:30
